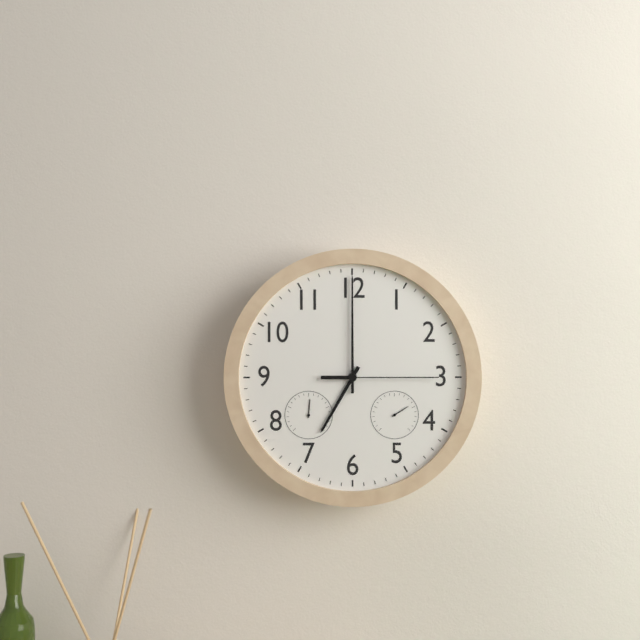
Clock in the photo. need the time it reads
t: 7:00:15
